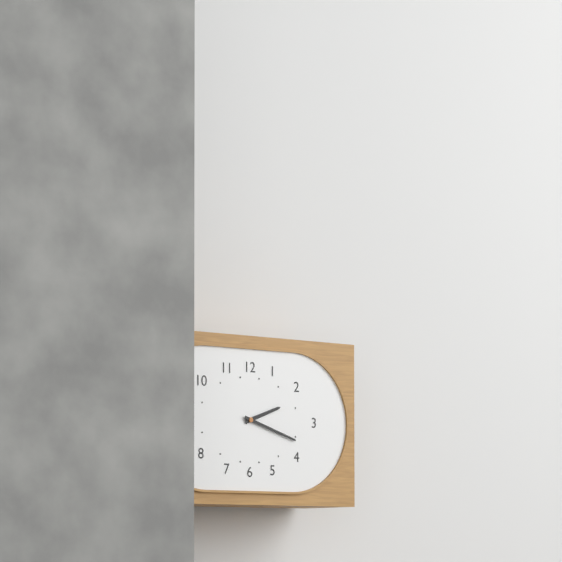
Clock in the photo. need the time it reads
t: 2:18
